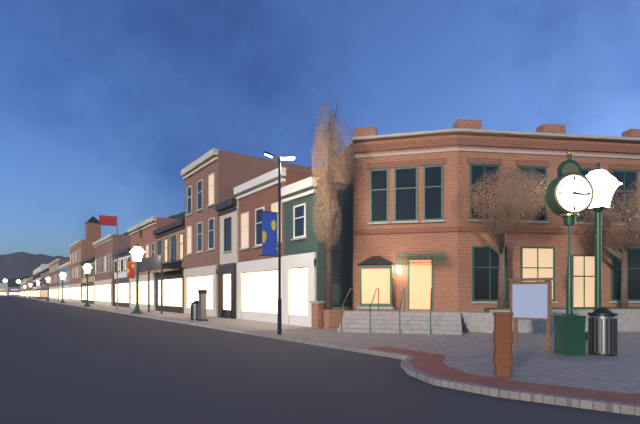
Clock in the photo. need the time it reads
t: 3:16
